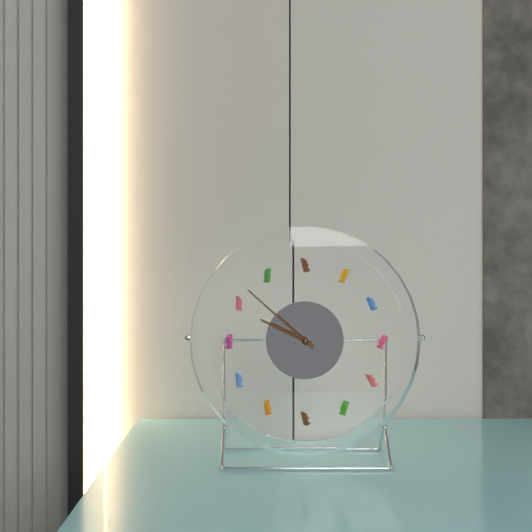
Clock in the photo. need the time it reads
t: 9:52
